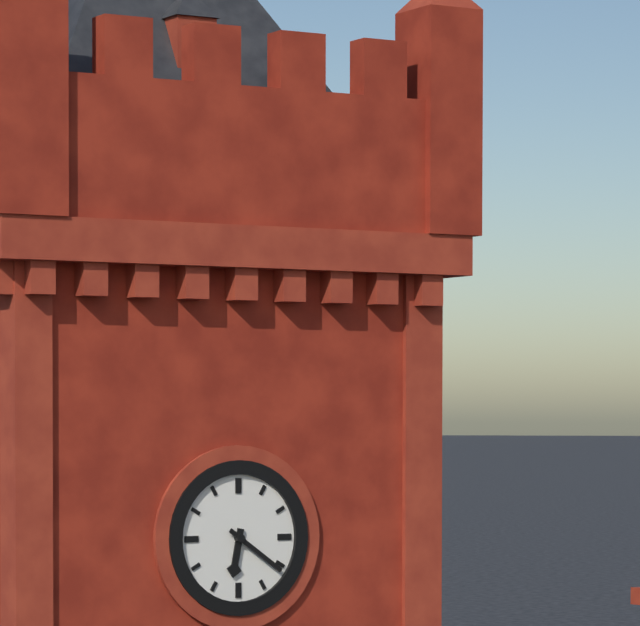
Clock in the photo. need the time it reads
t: 6:21
